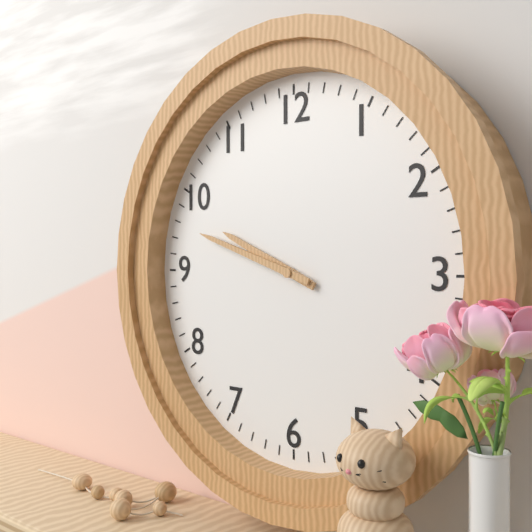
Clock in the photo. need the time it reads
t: 9:48
